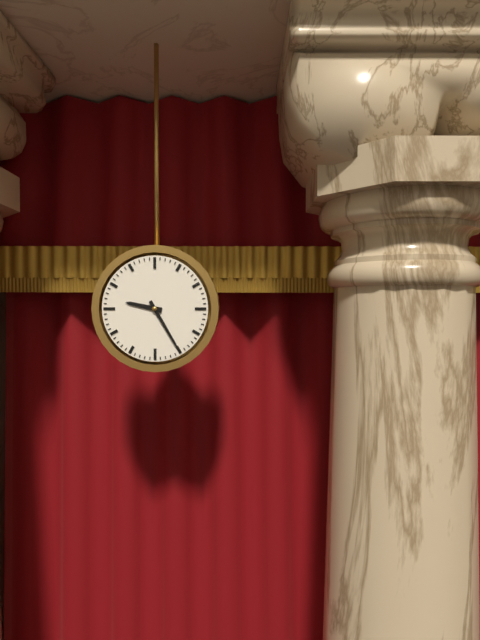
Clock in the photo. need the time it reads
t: 9:25
